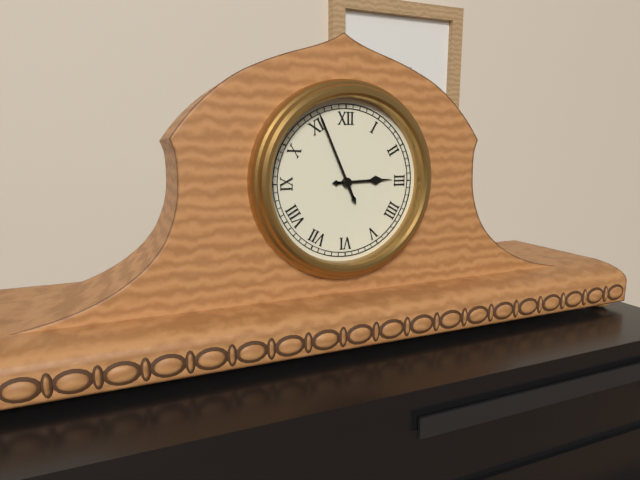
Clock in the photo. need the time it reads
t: 2:56
